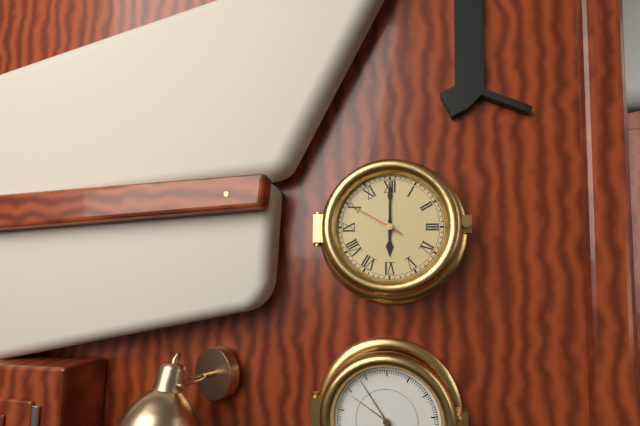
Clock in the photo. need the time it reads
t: 6:00:50
